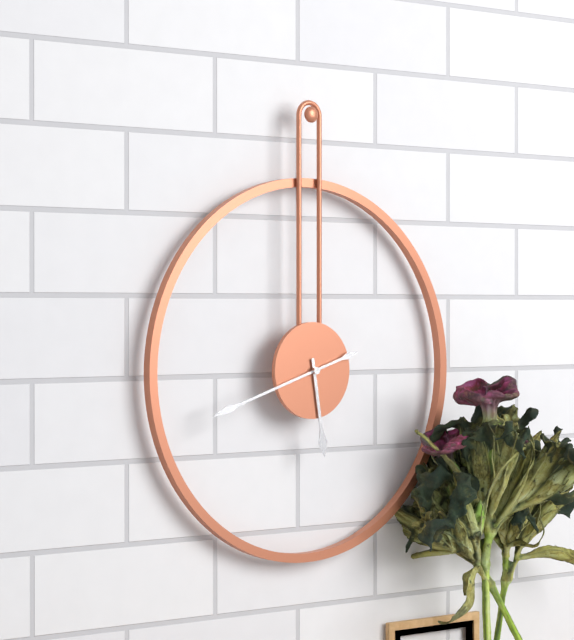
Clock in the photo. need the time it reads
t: 5:42
